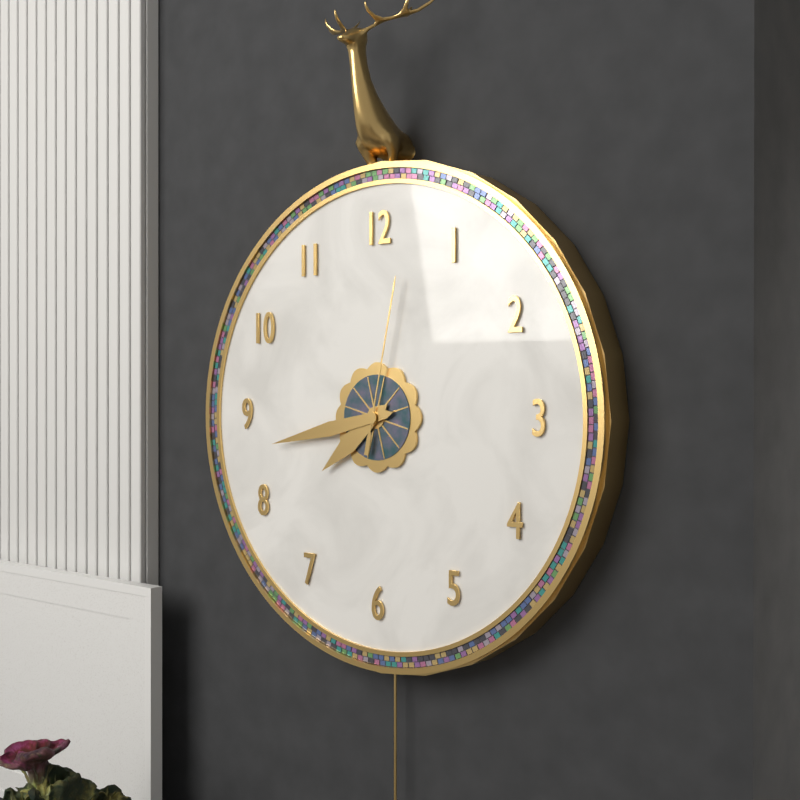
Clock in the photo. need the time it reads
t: 7:43:02
